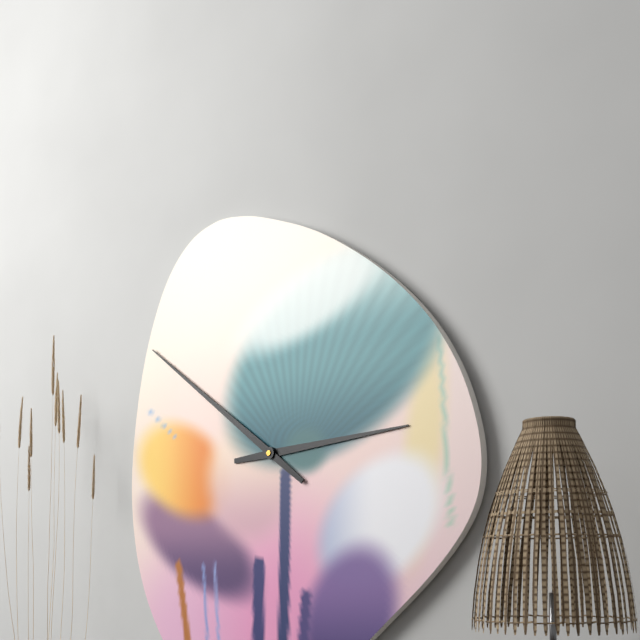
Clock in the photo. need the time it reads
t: 2:51
